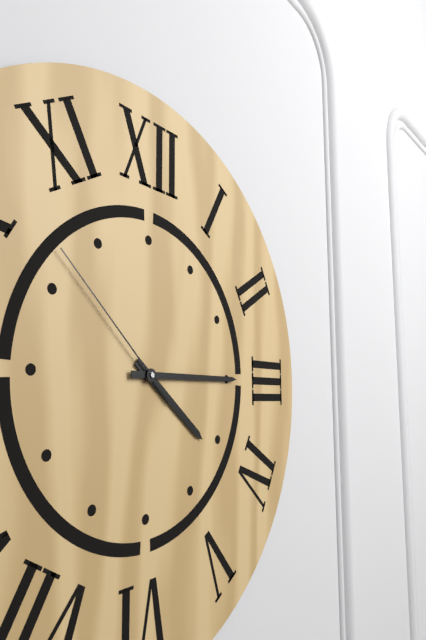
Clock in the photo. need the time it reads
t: 4:15:52
